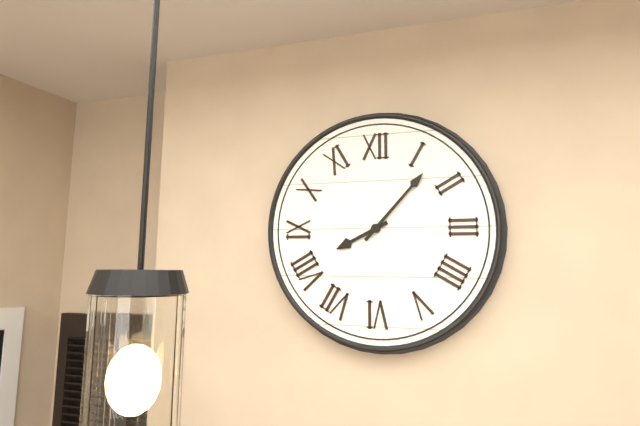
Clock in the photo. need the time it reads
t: 8:07
